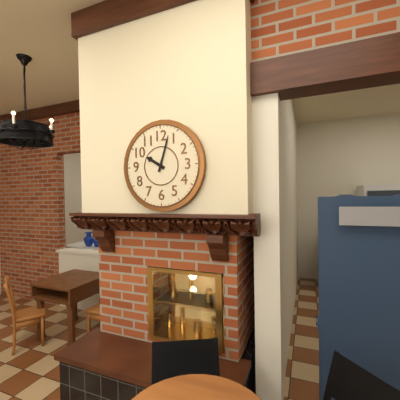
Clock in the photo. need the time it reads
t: 10:03
